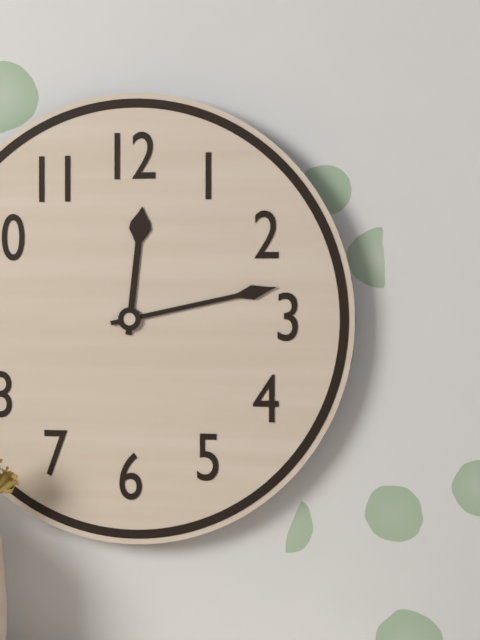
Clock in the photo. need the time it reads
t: 12:13
